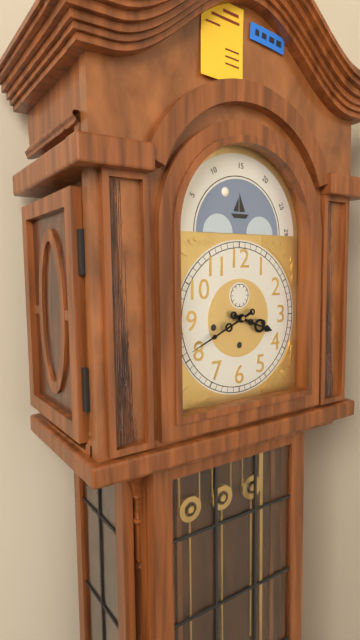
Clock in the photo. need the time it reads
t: 3:41
